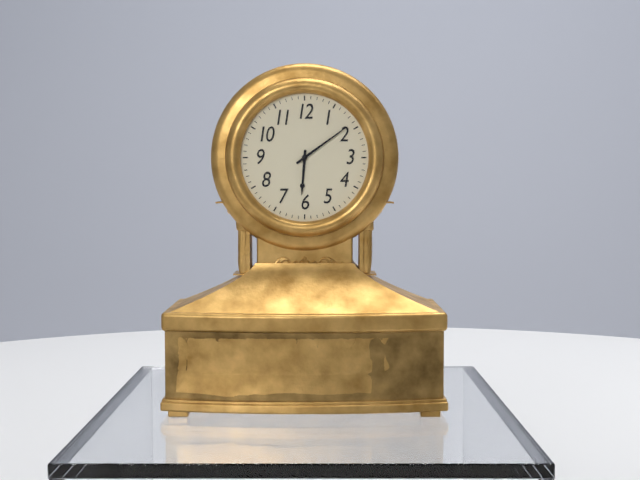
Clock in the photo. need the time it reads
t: 6:09
